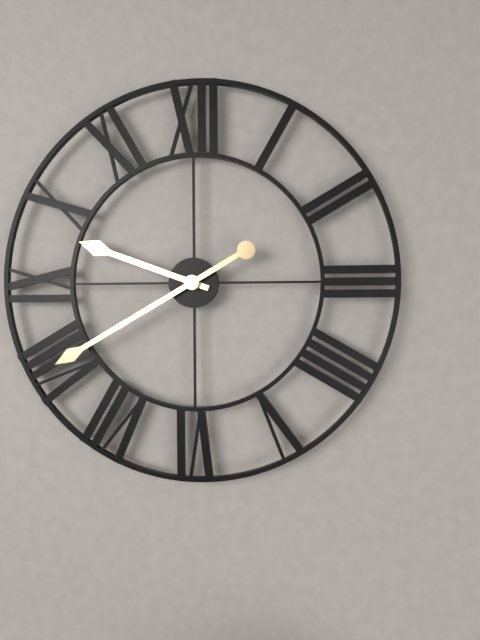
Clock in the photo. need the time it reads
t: 9:40
